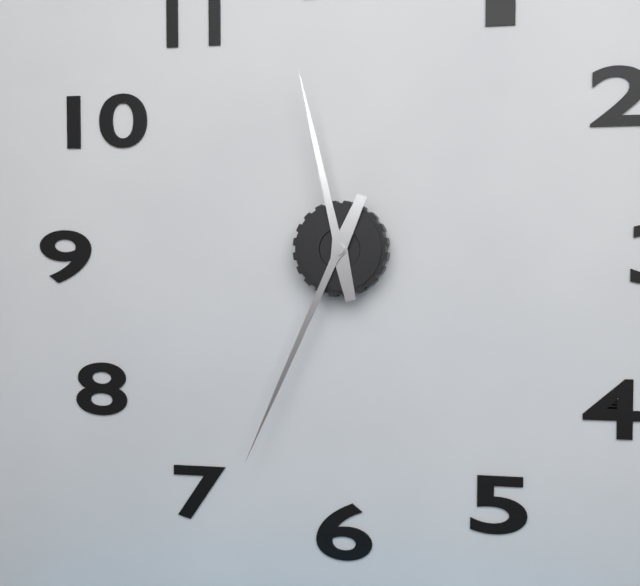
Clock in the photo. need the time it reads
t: 11:34
